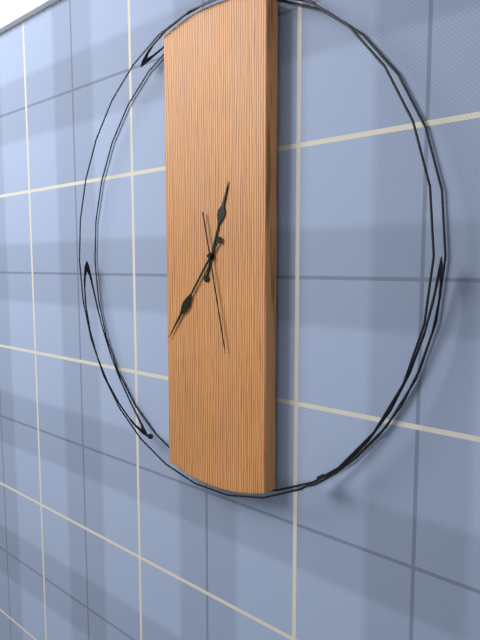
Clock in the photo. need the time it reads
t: 12:36:28
